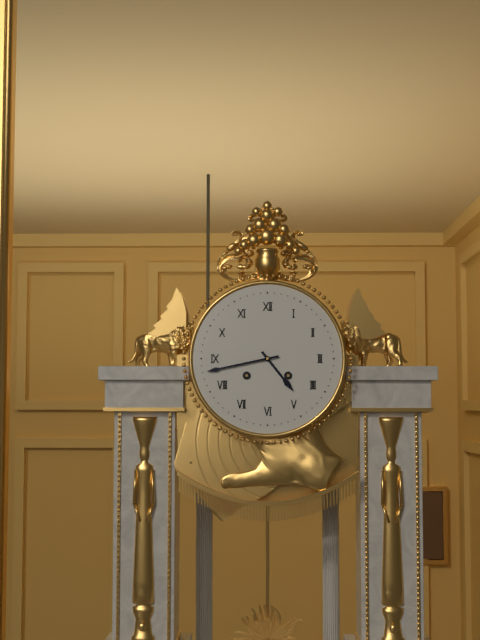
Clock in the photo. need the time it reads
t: 4:43
